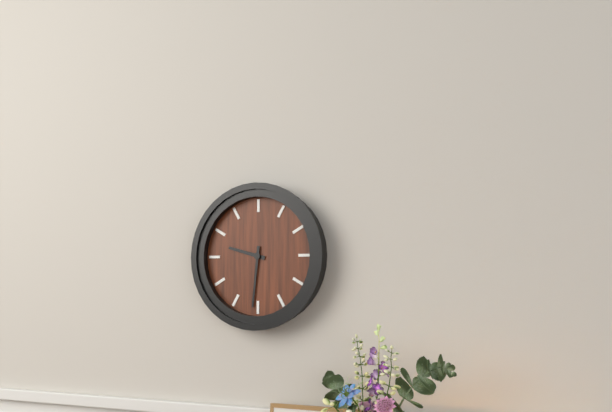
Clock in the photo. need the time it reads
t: 9:31
